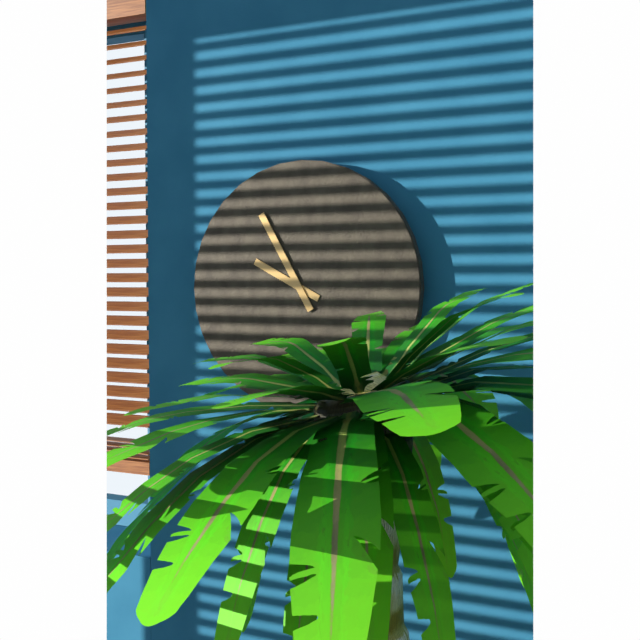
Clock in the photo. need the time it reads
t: 9:55
